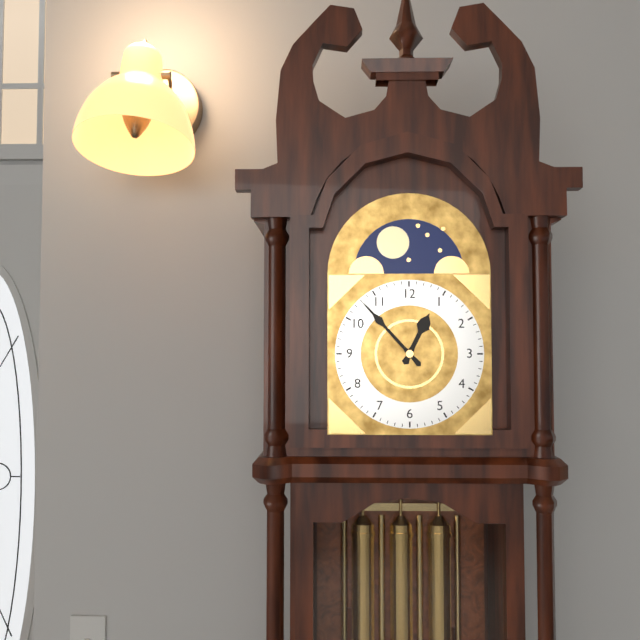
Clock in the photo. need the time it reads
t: 12:53
